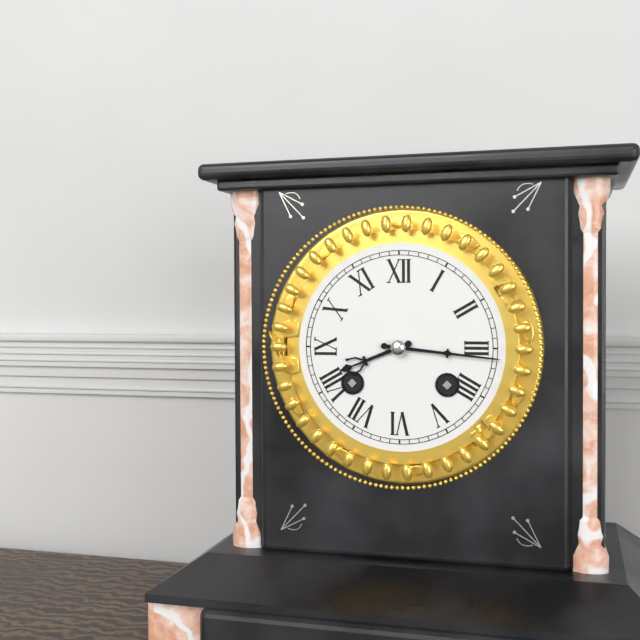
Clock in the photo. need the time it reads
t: 8:16
